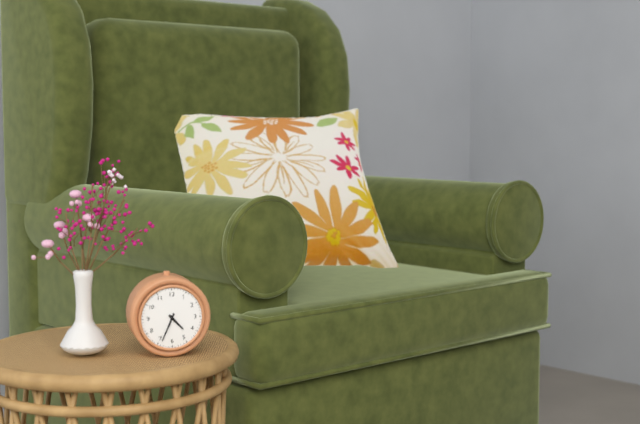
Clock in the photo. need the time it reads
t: 4:34
